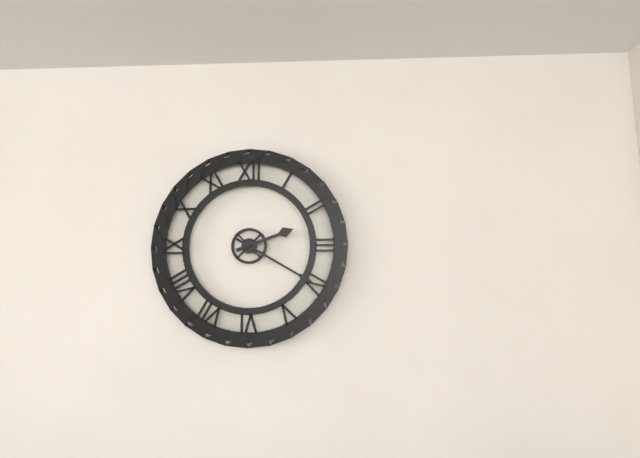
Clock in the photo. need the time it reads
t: 2:20
